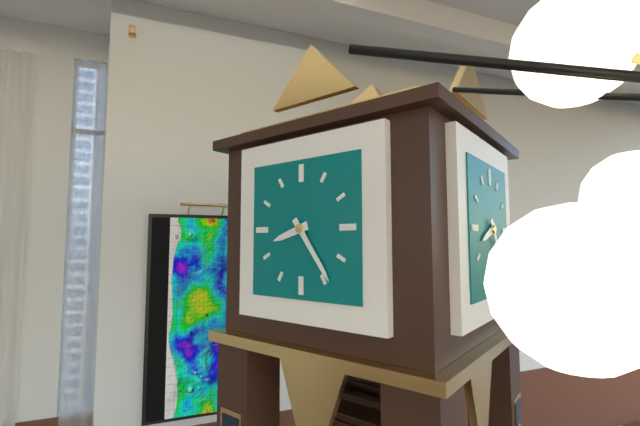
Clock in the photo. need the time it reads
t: 8:24
